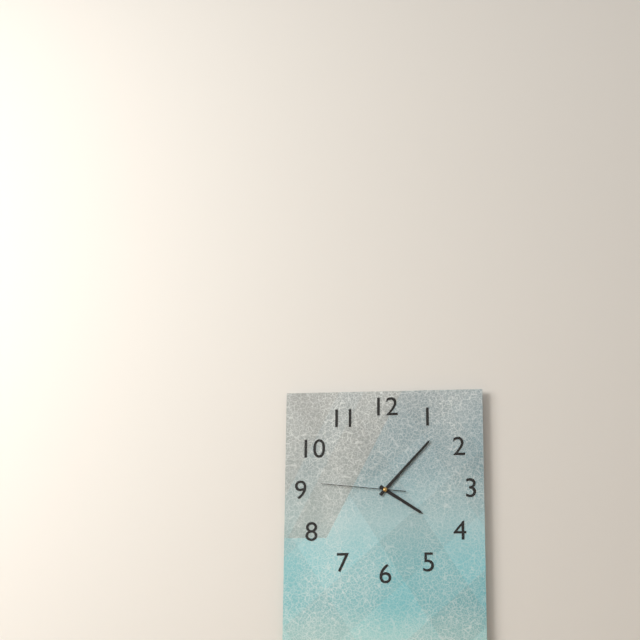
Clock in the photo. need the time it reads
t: 4:07:46
